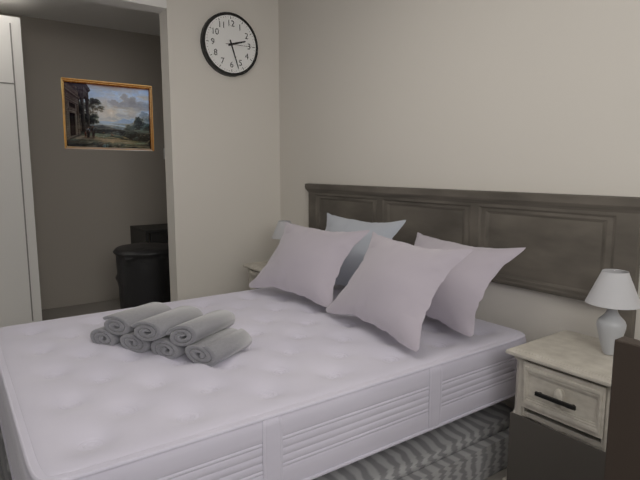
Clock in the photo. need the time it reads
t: 2:27
